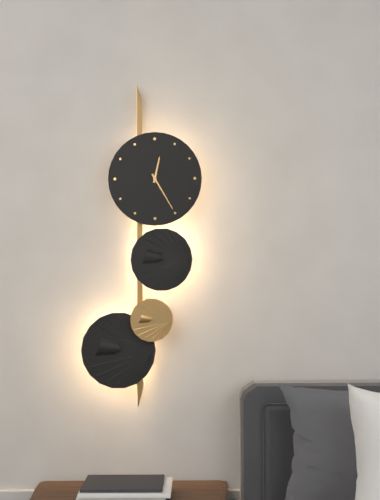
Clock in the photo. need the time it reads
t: 12:25
